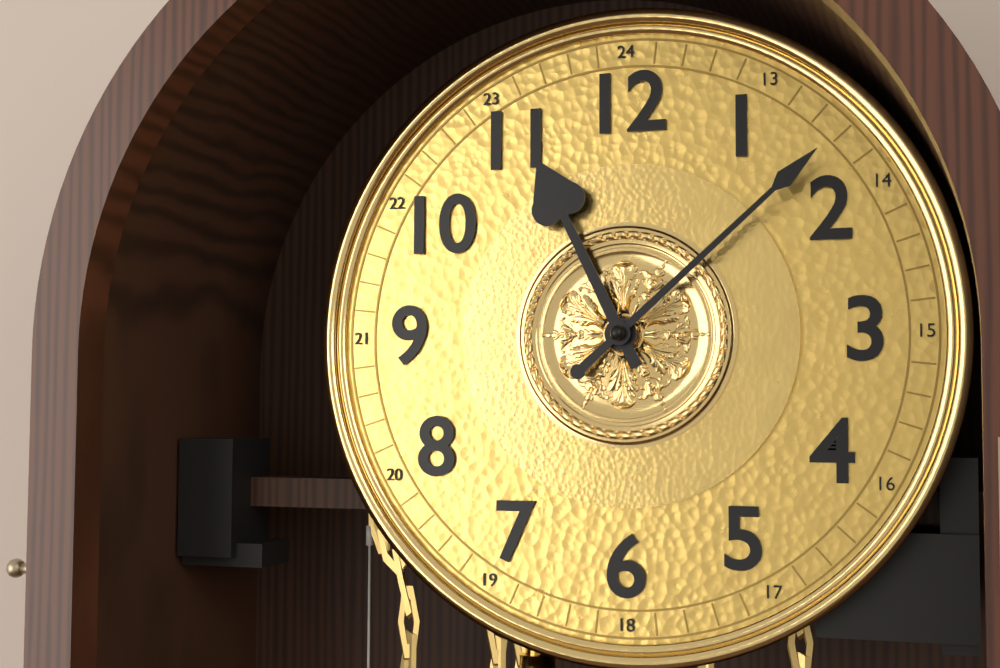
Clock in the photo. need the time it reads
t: 11:08
